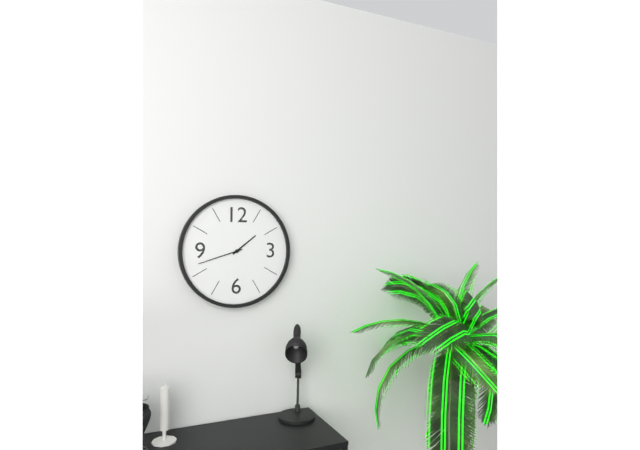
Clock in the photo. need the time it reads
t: 1:42
